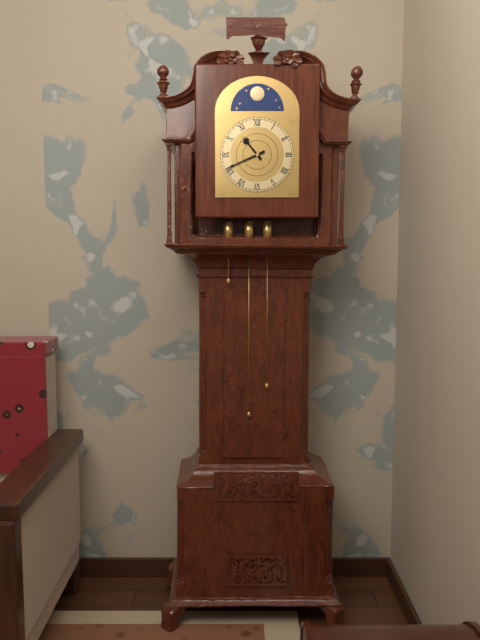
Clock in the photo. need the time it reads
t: 10:41
